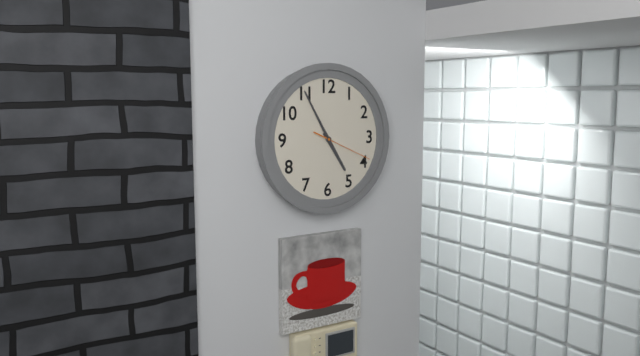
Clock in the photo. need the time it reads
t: 4:55:19
